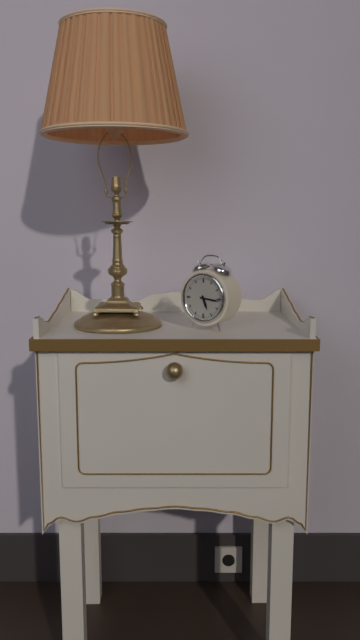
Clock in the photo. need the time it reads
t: 5:16
